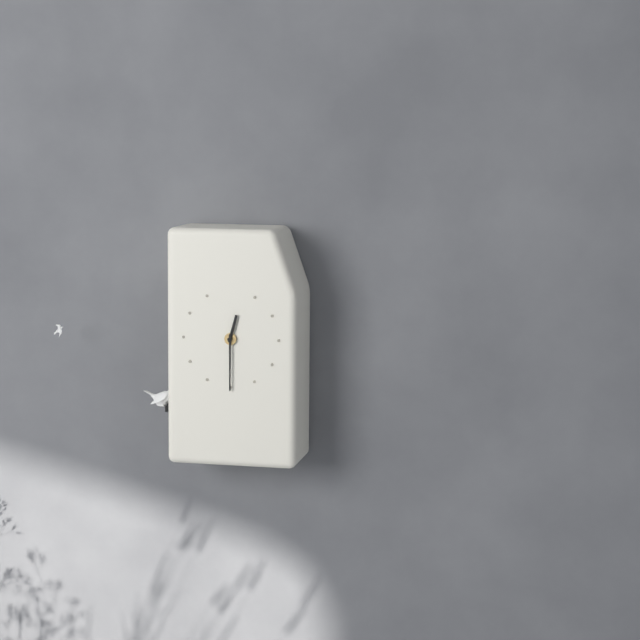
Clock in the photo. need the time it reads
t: 12:30
